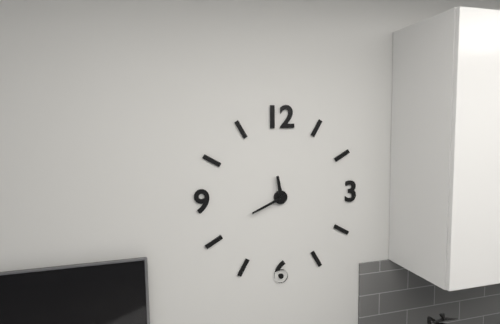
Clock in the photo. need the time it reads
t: 11:41
